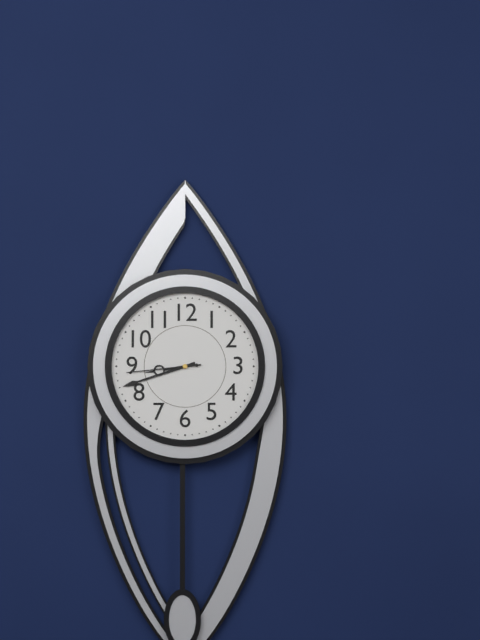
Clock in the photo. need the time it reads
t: 8:42:44
